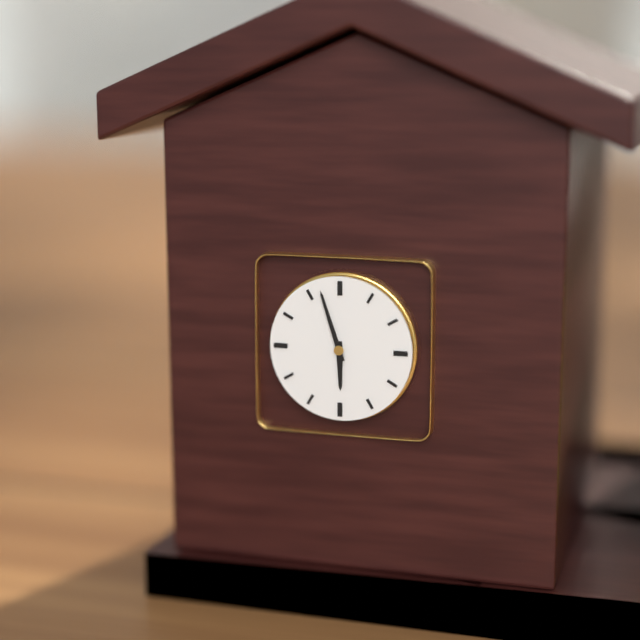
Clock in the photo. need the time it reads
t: 5:57
